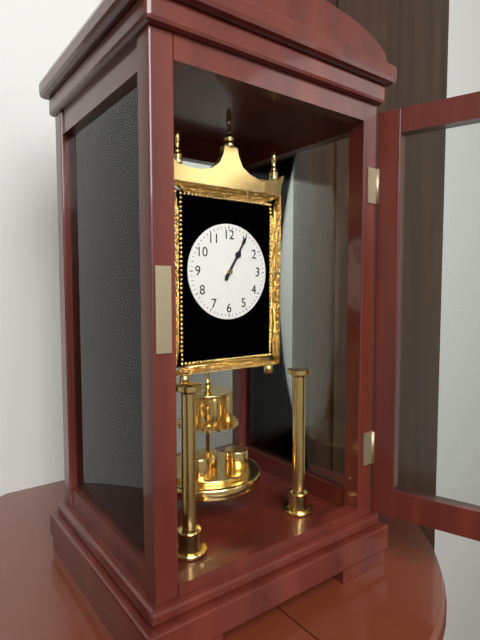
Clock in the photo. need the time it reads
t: 1:05
